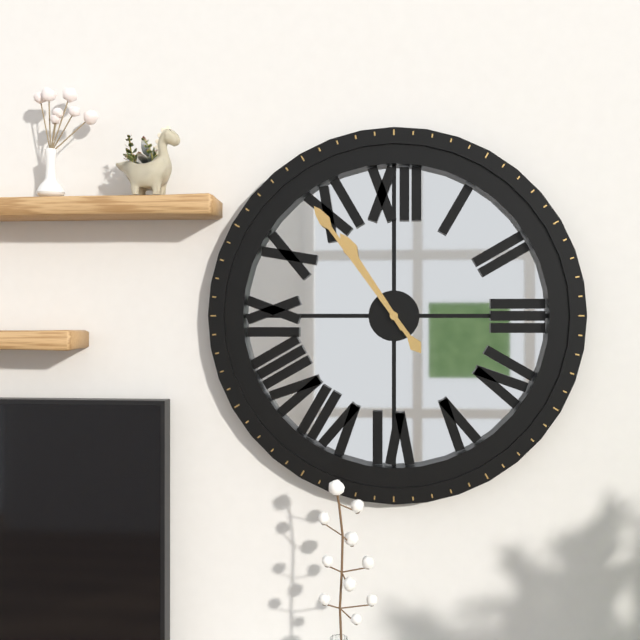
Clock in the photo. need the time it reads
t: 10:54
